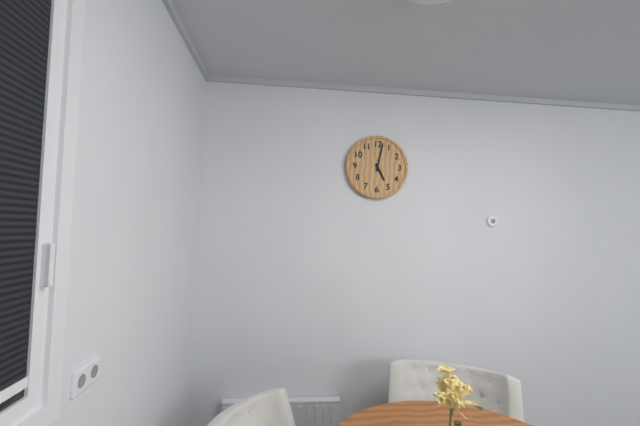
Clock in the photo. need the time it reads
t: 5:02
